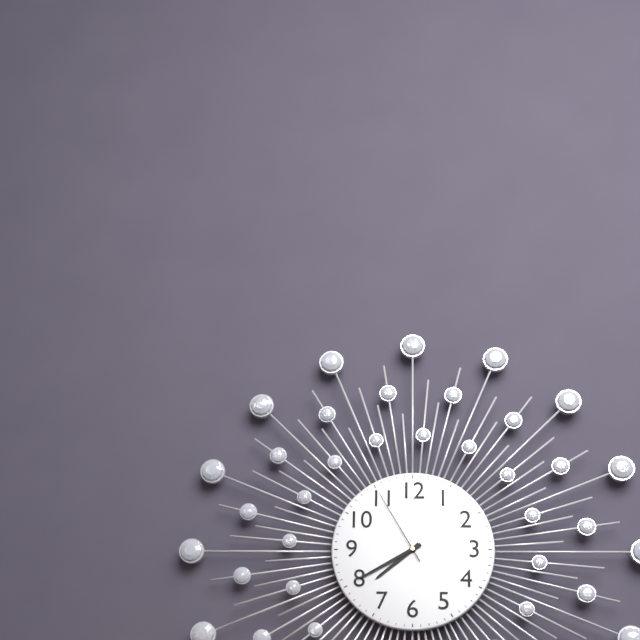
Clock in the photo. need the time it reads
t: 7:40:55
